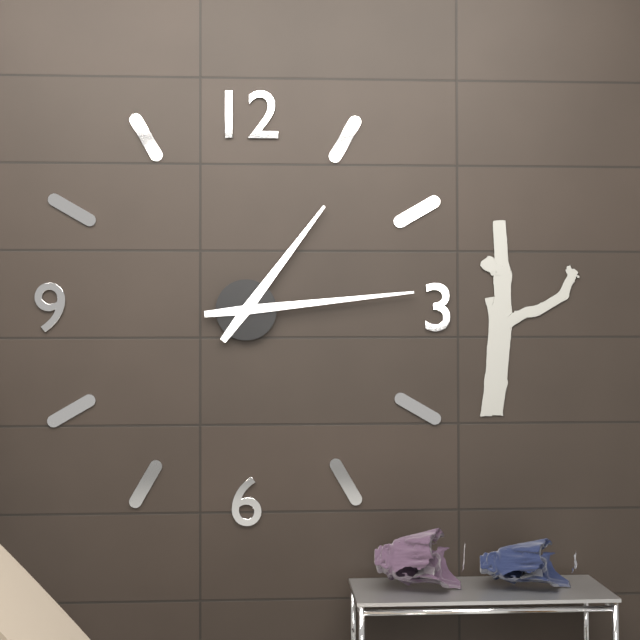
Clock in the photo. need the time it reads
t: 1:14
